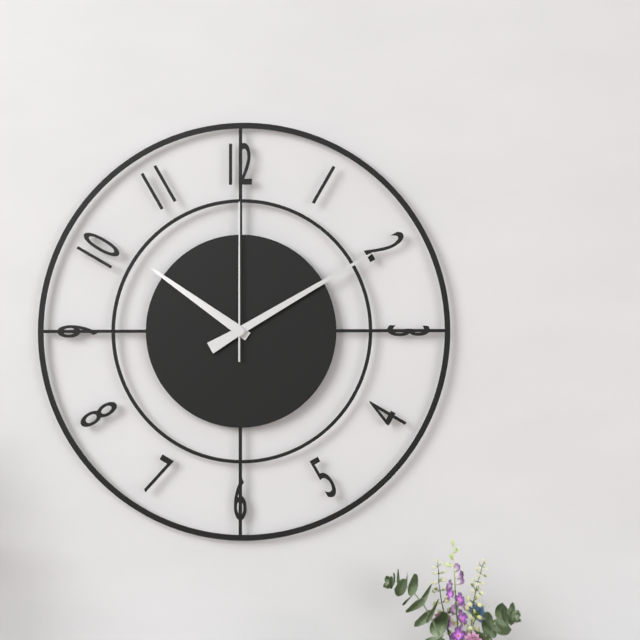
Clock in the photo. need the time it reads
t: 10:10:00
